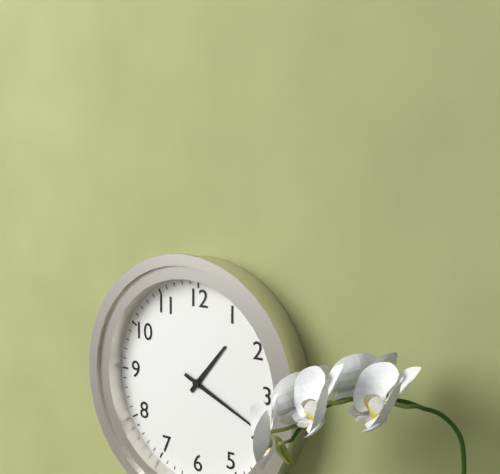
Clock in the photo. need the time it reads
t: 1:19
